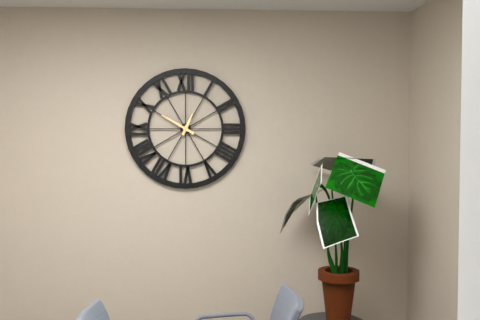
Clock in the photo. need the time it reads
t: 12:50
